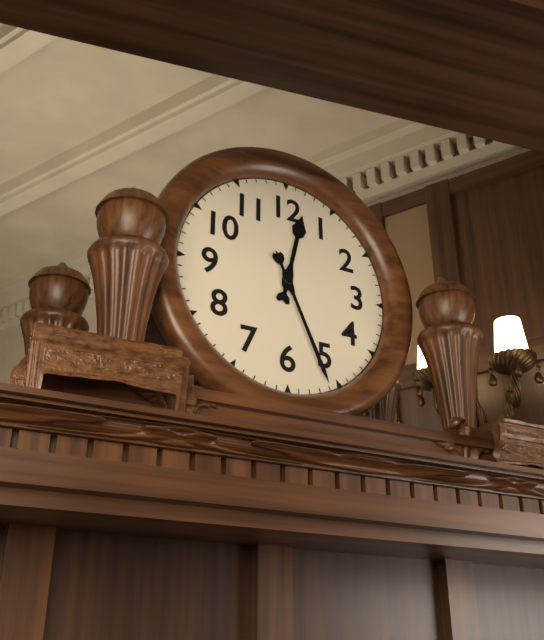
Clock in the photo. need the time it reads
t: 12:26
